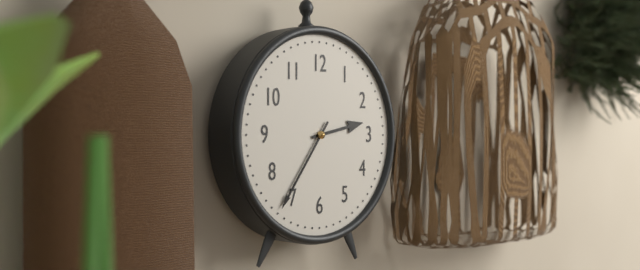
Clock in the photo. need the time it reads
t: 2:36
